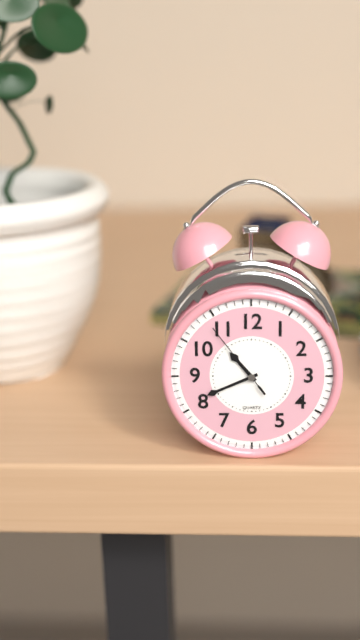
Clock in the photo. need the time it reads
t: 10:41:54
